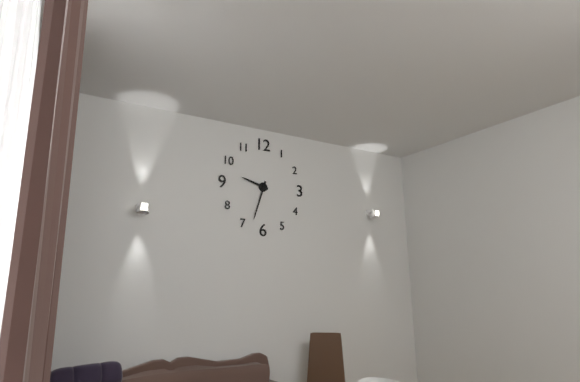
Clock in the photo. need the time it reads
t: 9:33
